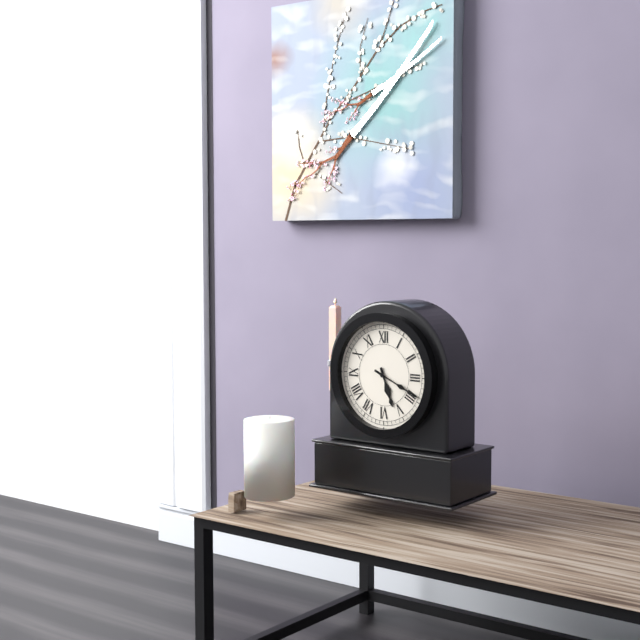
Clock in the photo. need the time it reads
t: 5:19
